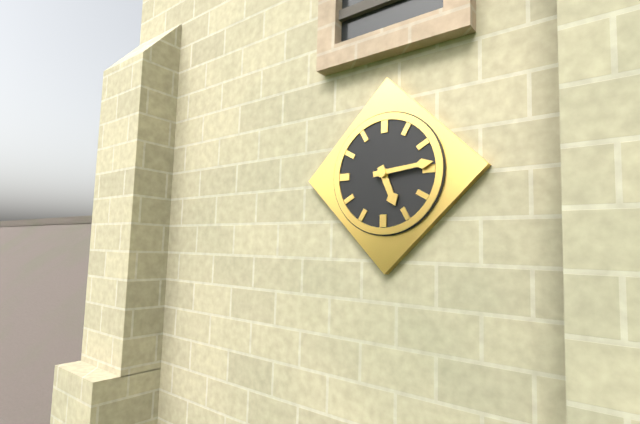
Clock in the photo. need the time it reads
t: 5:14
